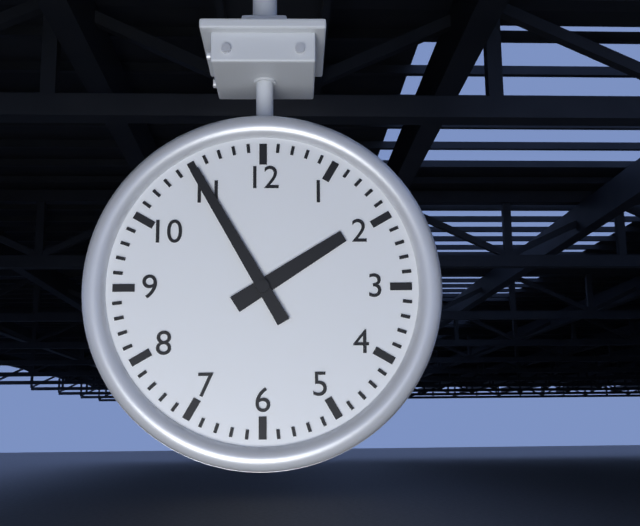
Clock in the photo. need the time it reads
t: 1:55
